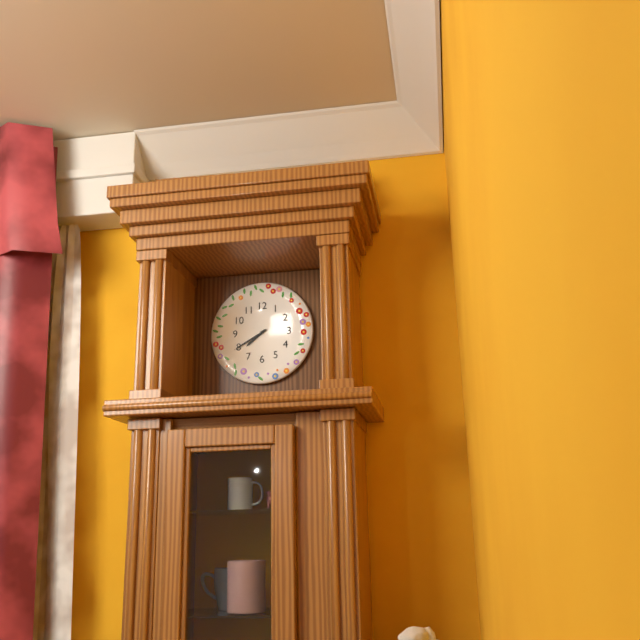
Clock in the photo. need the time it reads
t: 7:40
